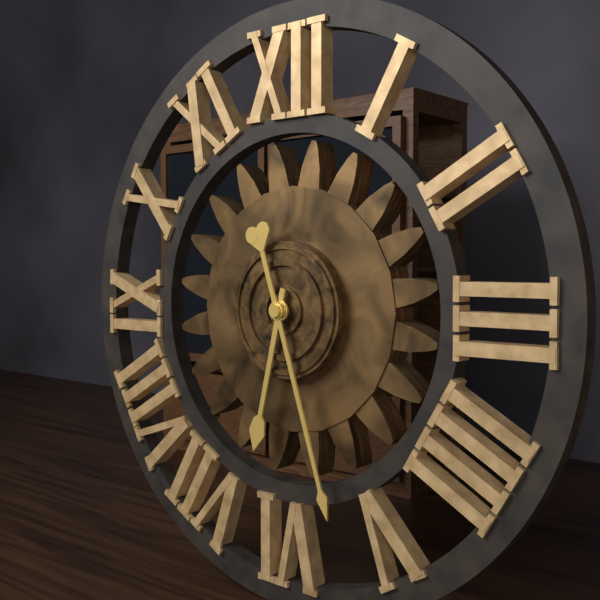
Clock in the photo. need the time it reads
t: 6:27
